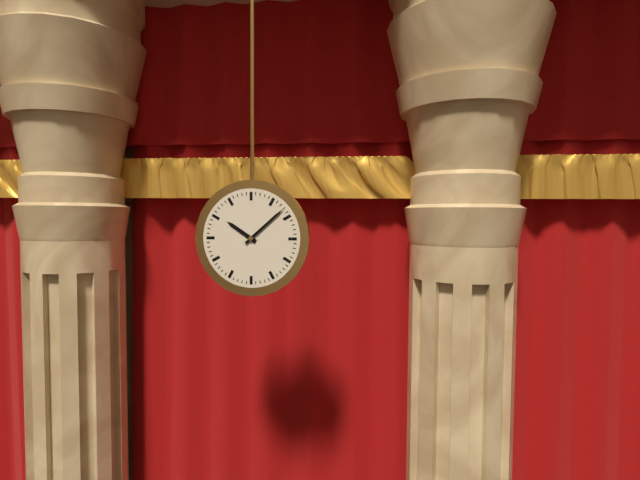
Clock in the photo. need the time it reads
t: 10:08
